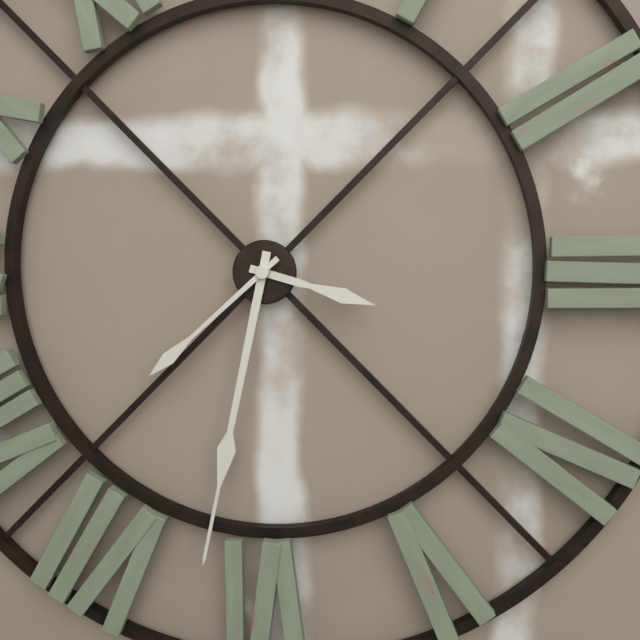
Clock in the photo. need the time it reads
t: 3:32:38
